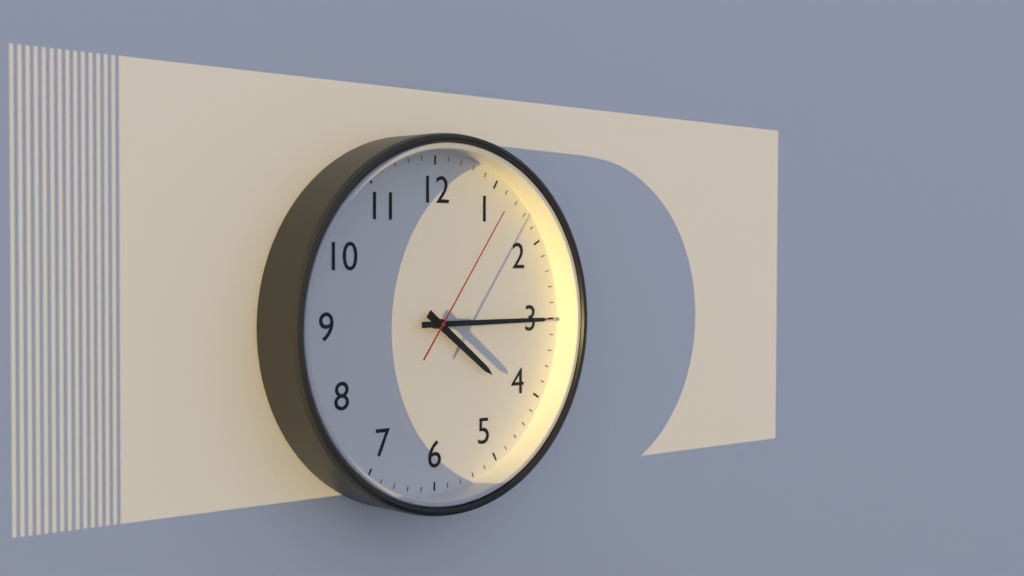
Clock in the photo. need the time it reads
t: 4:15:06
